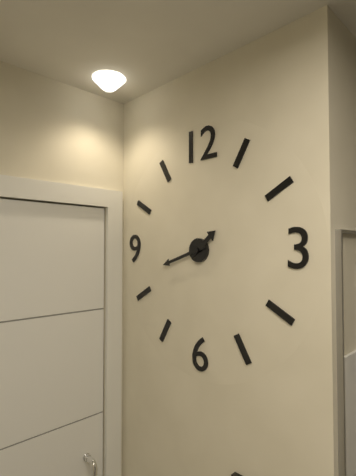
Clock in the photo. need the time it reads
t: 1:42
